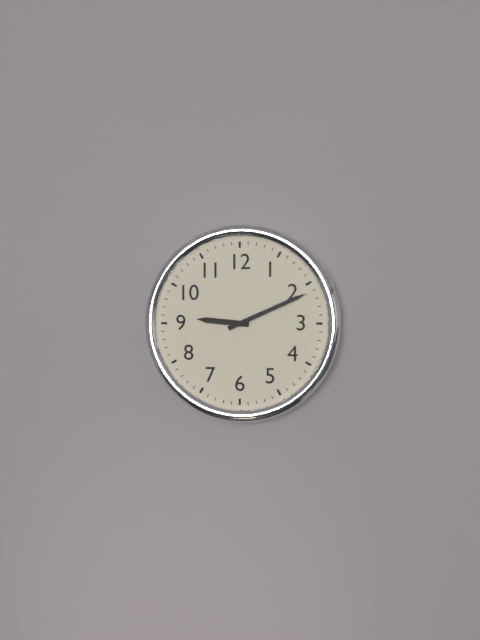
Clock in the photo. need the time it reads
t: 9:11
